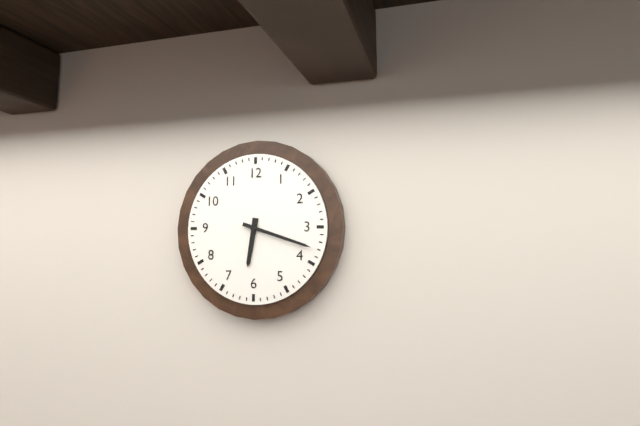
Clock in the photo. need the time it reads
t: 6:18
